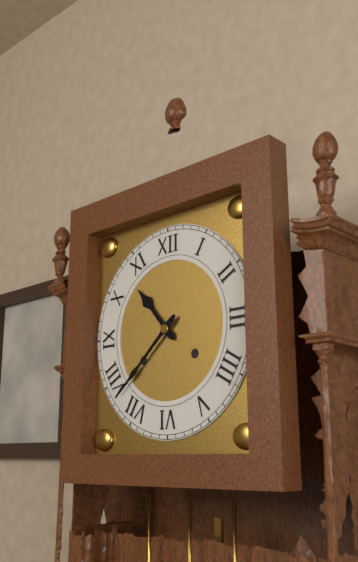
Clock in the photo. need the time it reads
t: 10:38
